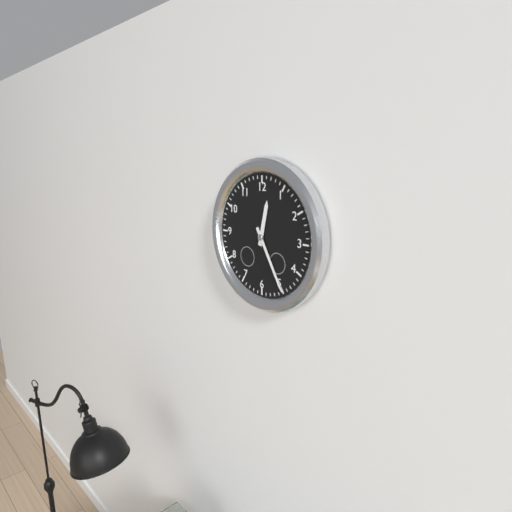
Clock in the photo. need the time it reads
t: 12:25
